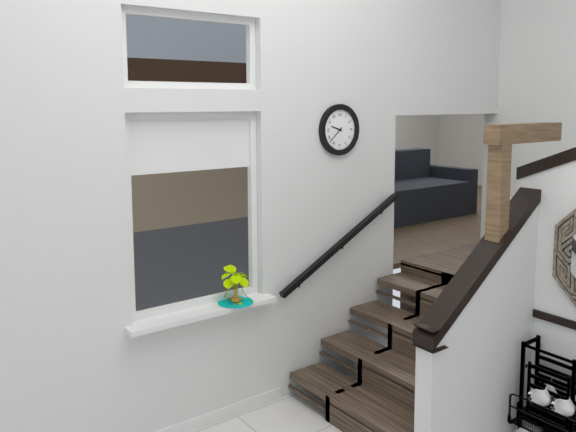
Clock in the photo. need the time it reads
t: 9:38
